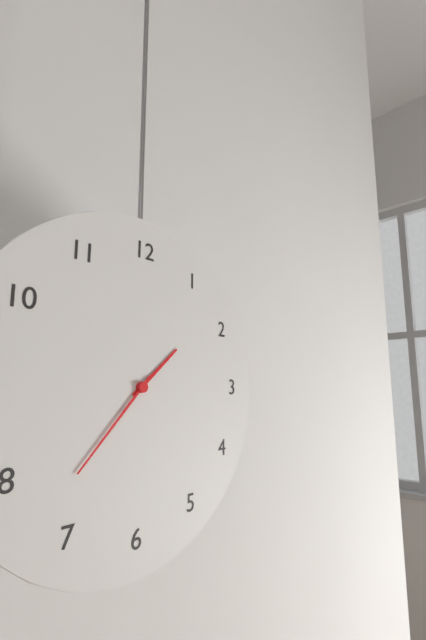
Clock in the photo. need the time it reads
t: 1:37
